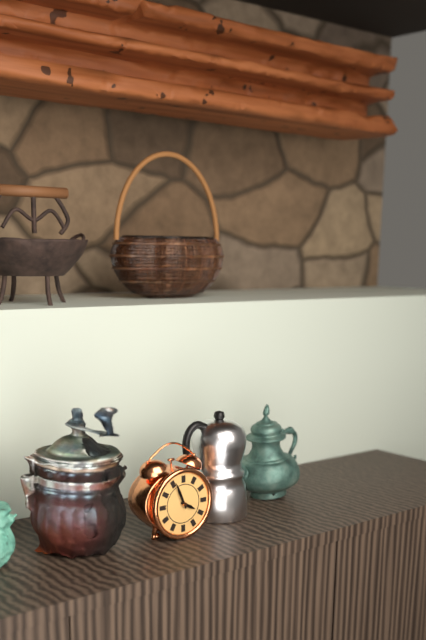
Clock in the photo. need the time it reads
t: 3:56
